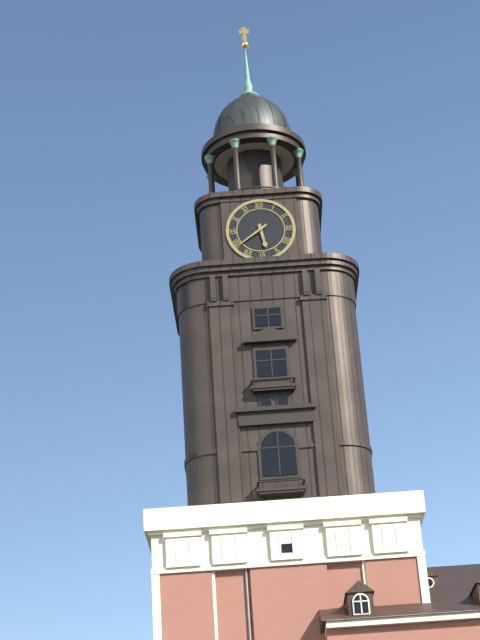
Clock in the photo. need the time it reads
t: 5:39
